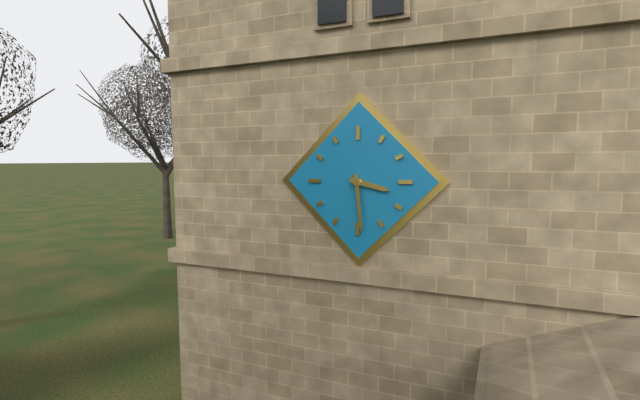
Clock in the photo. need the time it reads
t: 3:29
